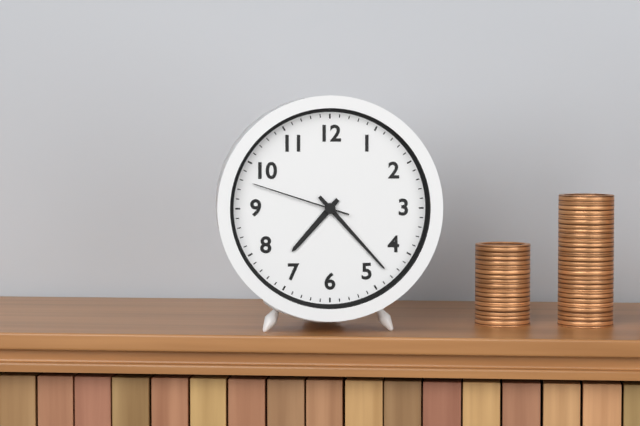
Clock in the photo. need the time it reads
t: 7:23:48
